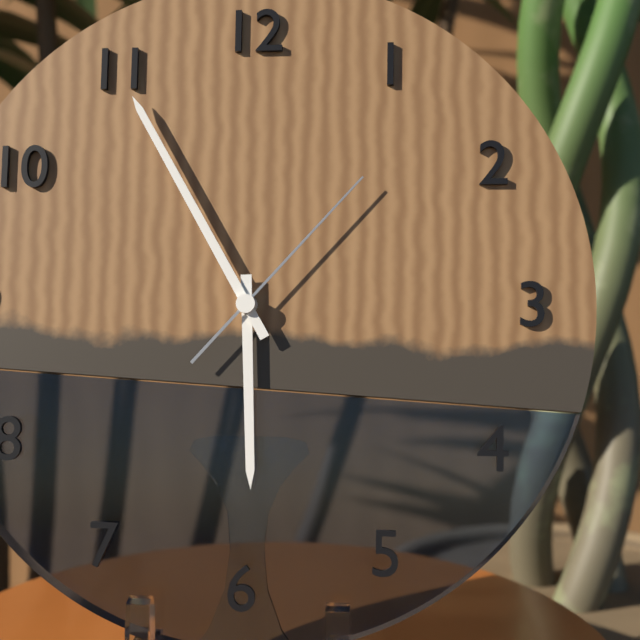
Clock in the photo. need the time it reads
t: 5:55:07
